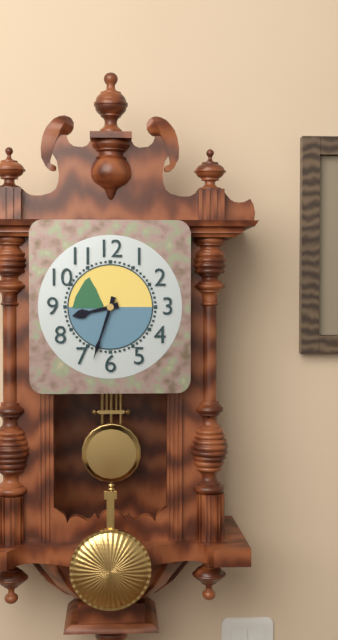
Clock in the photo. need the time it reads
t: 8:33
